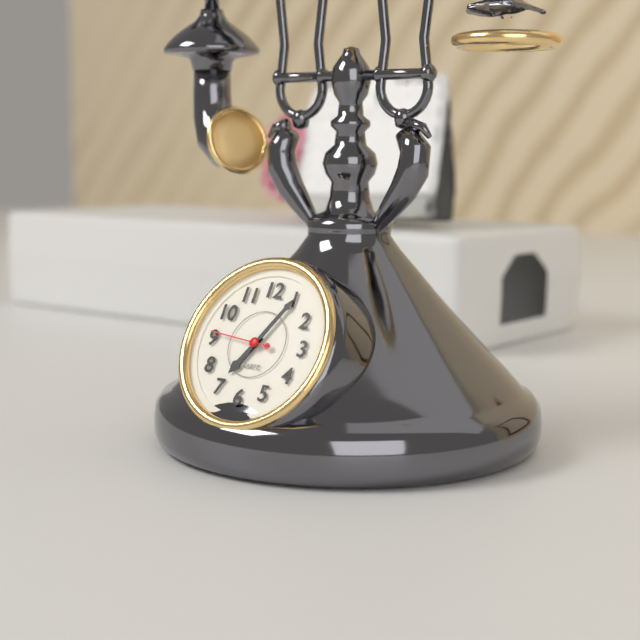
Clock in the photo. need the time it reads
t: 7:05:46
